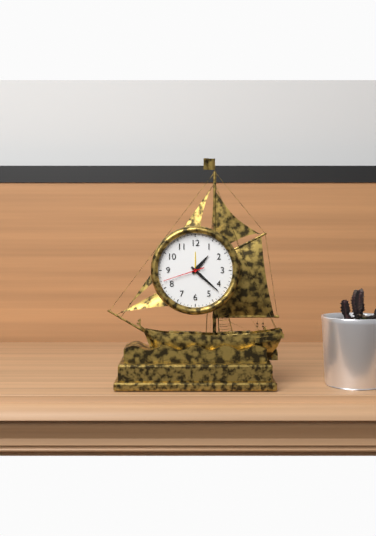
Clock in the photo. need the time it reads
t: 1:22
